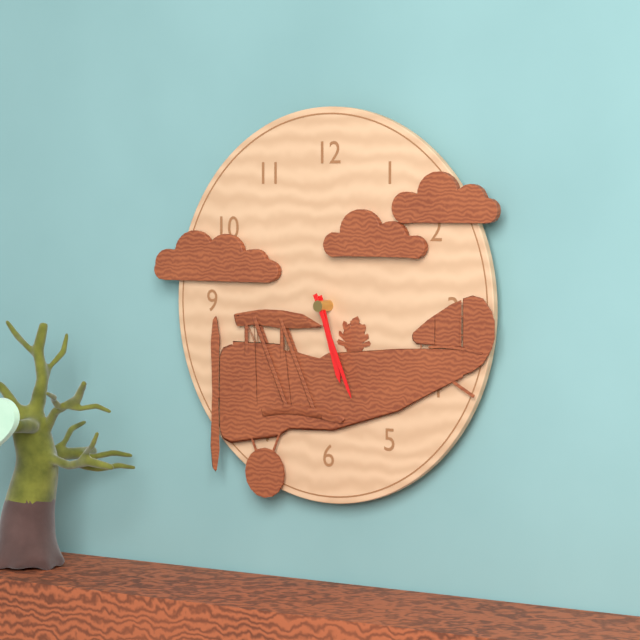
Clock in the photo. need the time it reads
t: 5:26
